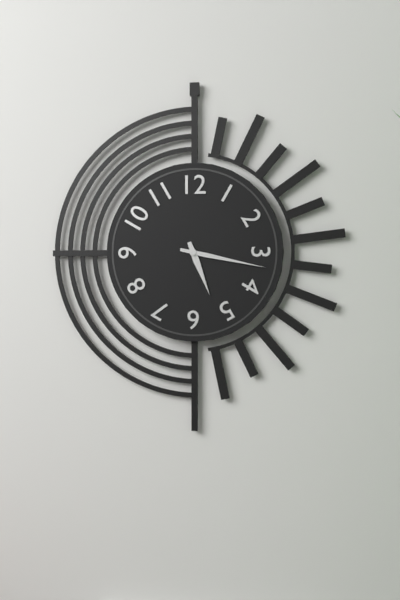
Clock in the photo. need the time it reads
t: 5:17
